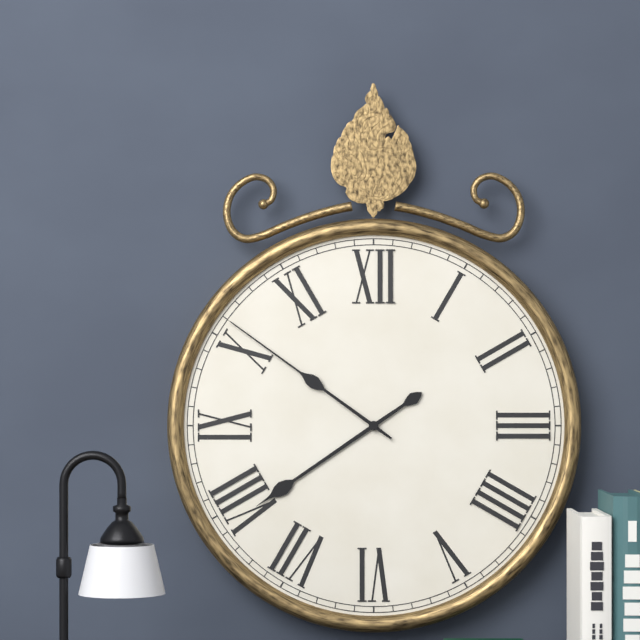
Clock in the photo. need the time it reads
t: 7:51
